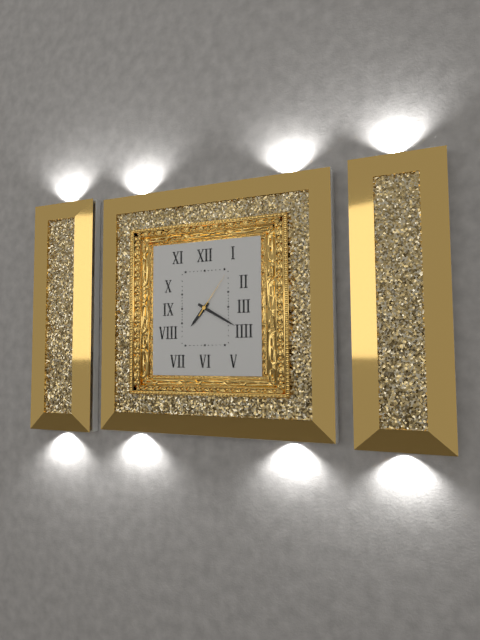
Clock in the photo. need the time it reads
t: 7:20:06
